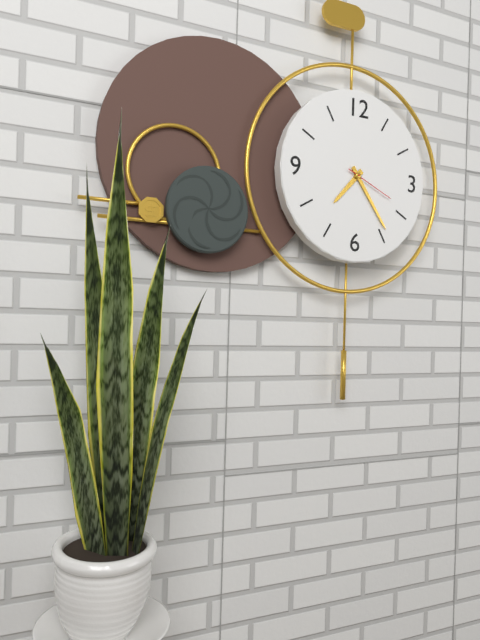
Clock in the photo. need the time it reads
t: 7:24:19
